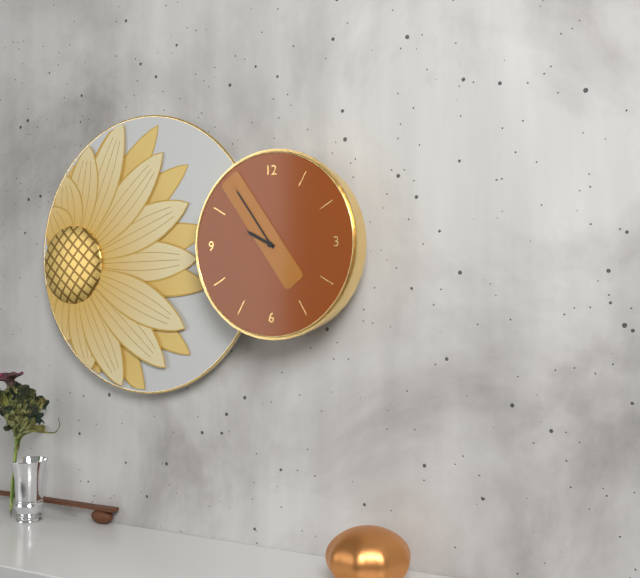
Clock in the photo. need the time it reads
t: 9:54
